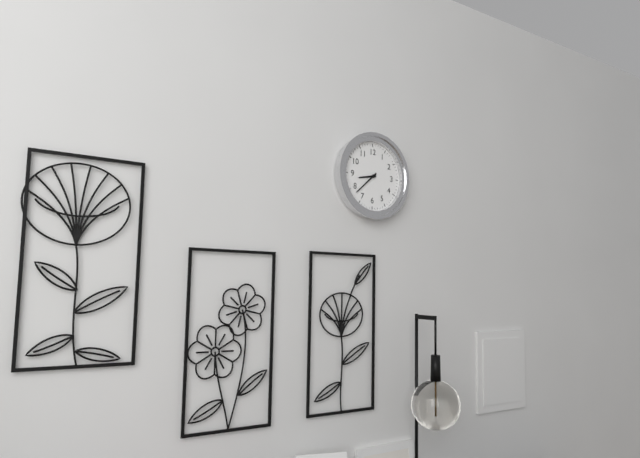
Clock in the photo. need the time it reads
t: 8:38
